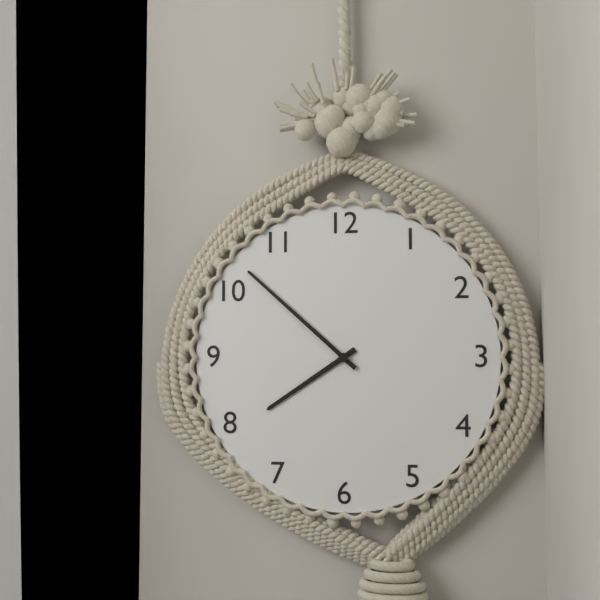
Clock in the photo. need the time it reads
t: 7:52
